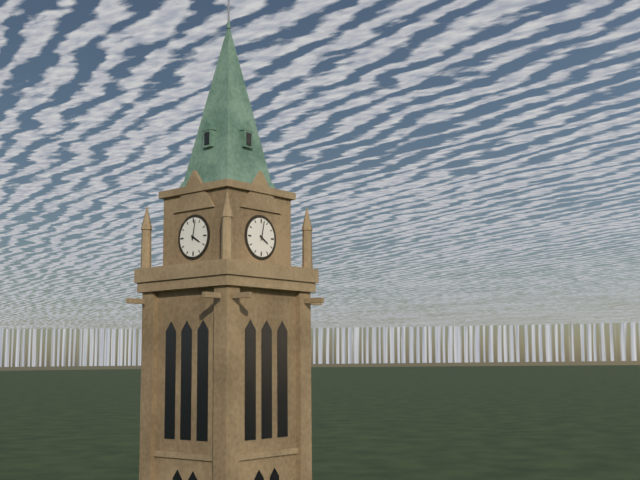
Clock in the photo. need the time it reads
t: 4:02
